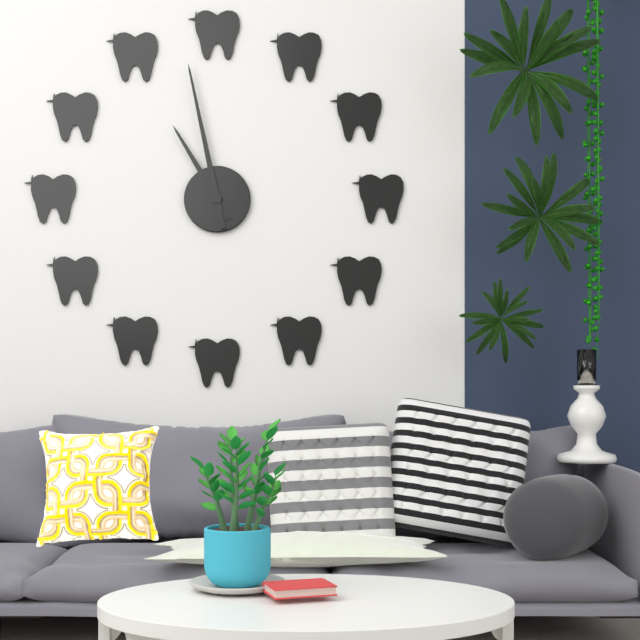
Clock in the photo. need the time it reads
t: 10:58
